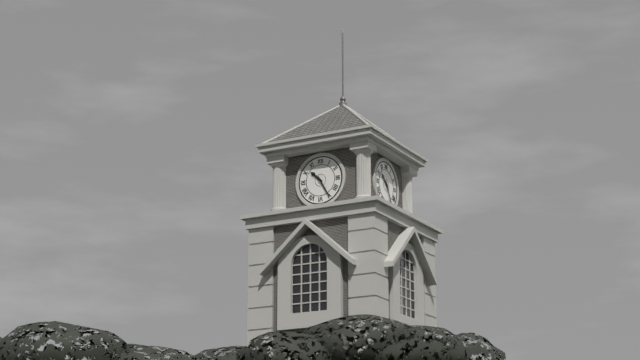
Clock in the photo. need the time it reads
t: 10:25
